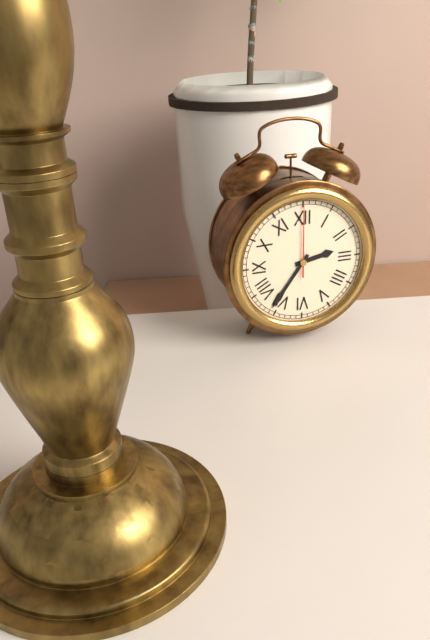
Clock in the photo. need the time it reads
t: 2:36:00
